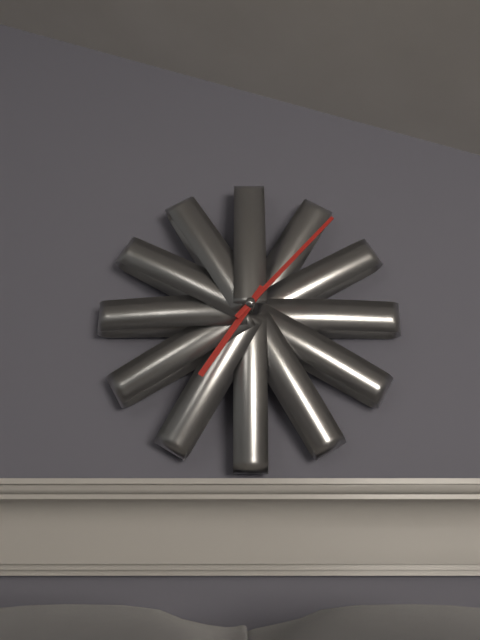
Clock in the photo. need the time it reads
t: 7:07
